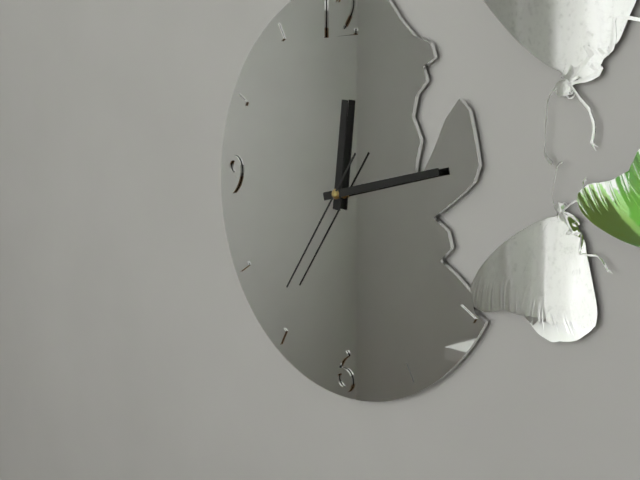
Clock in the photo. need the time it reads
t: 12:13:36
